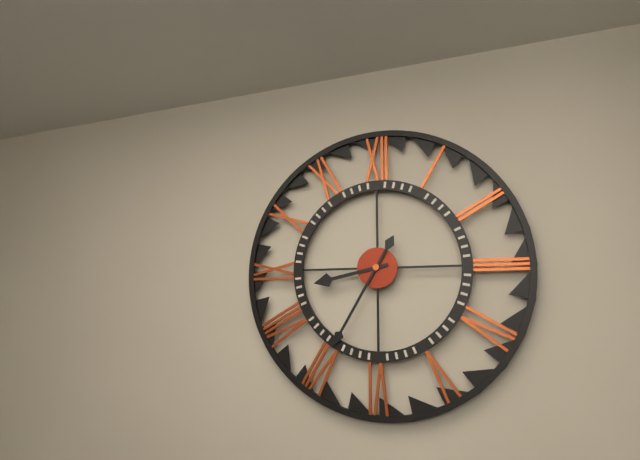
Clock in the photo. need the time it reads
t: 8:35
